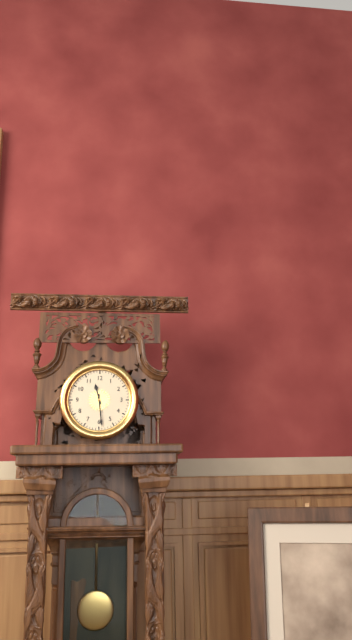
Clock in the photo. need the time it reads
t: 11:29
